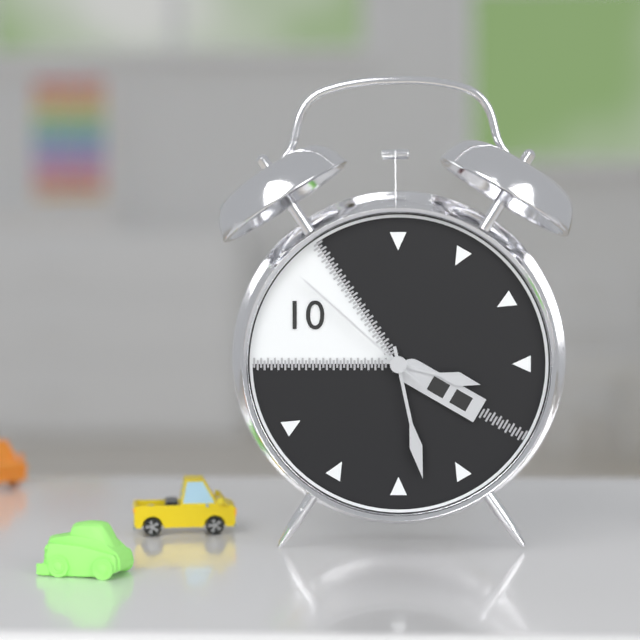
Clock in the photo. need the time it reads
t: 3:28:52
